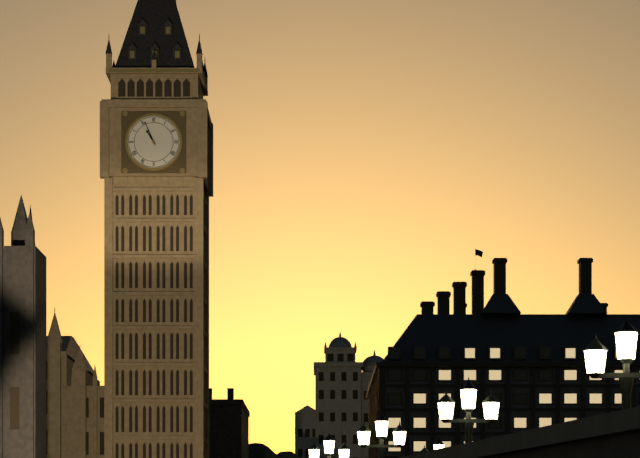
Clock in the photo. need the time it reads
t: 10:56
